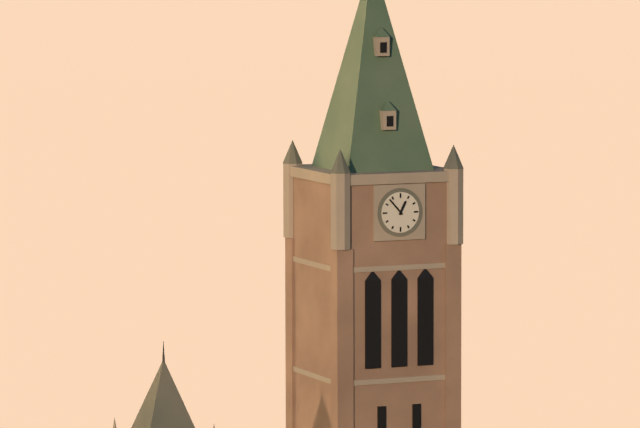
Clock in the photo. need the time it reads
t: 12:53
